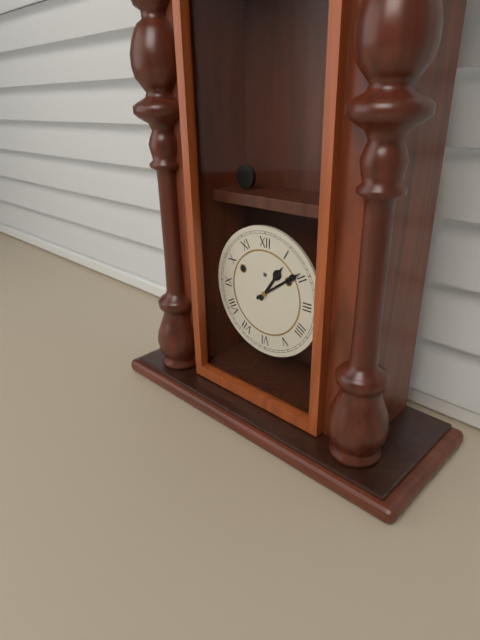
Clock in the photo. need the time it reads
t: 1:09
